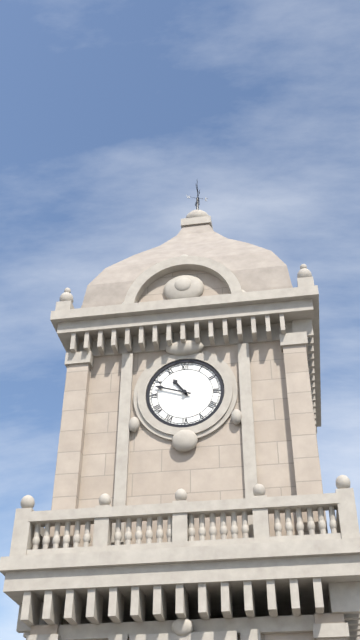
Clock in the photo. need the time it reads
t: 10:48
